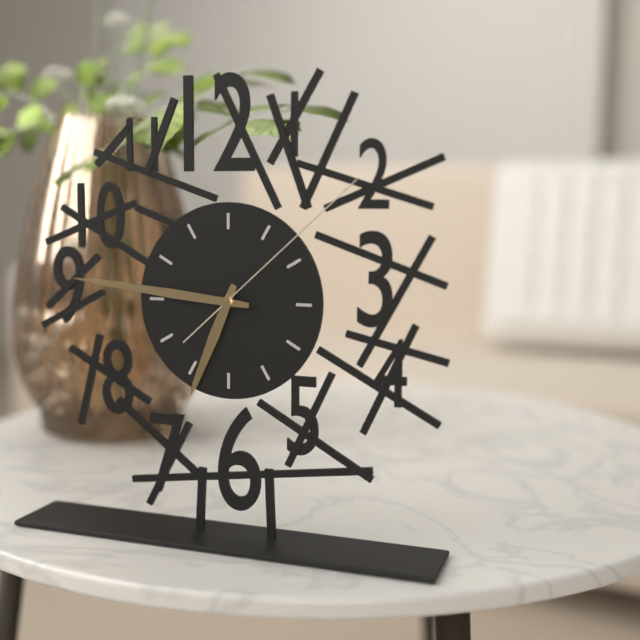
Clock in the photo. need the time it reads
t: 6:46:08
